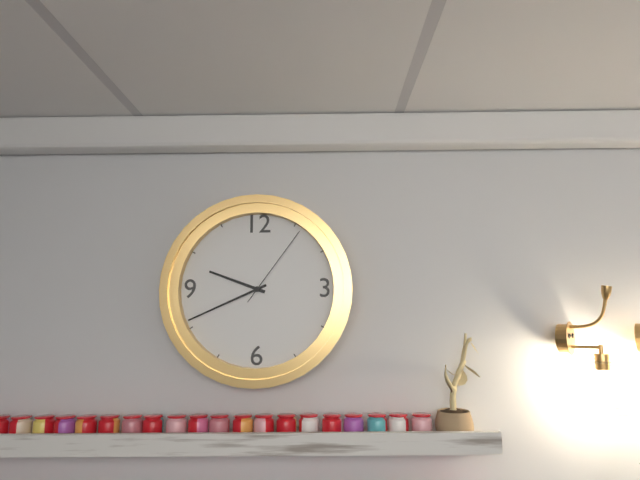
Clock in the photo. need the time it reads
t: 9:41:06
